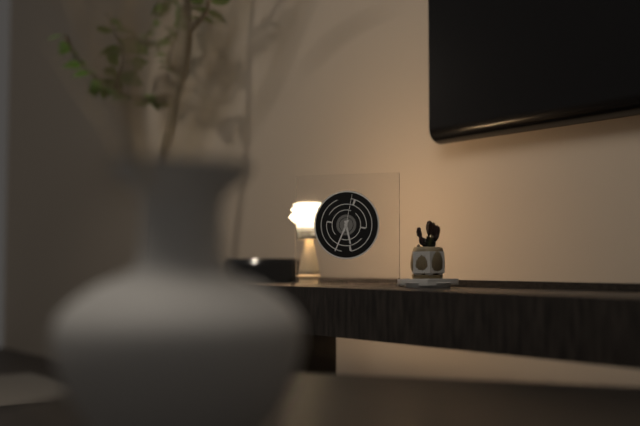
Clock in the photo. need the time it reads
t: 5:34
